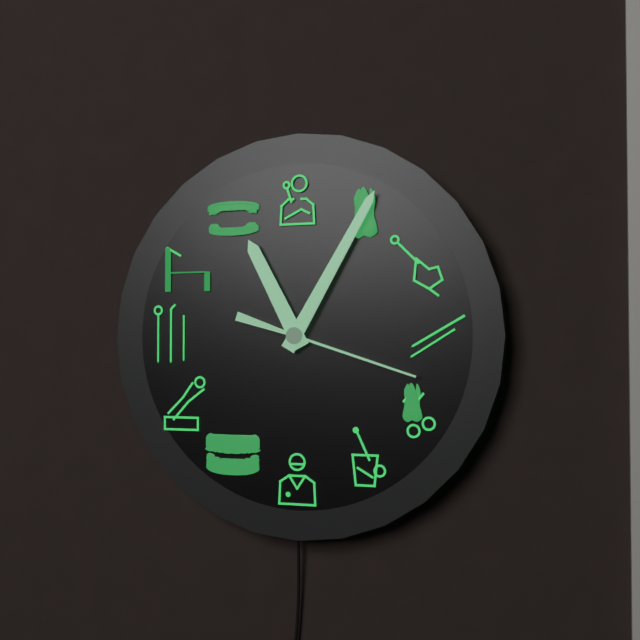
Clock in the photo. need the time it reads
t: 11:05:18
